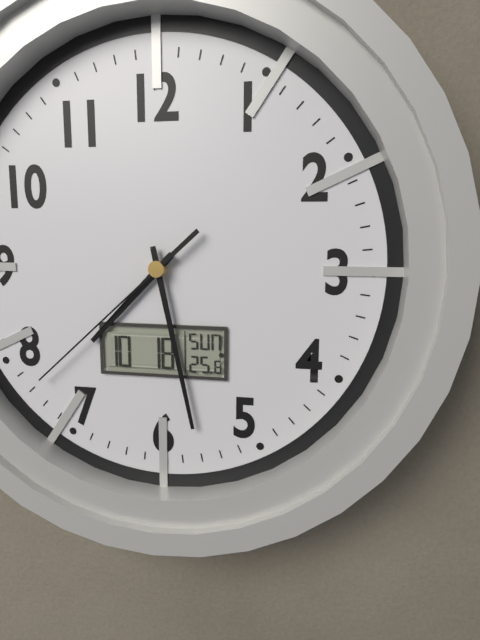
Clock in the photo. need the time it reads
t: 7:28:38
